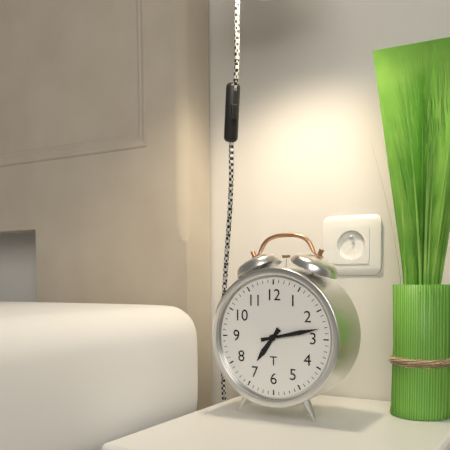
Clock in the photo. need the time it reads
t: 7:13
